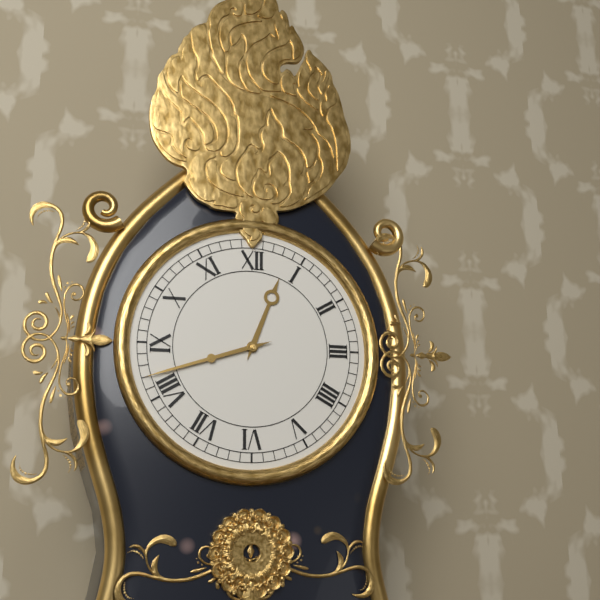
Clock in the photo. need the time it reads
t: 12:42
